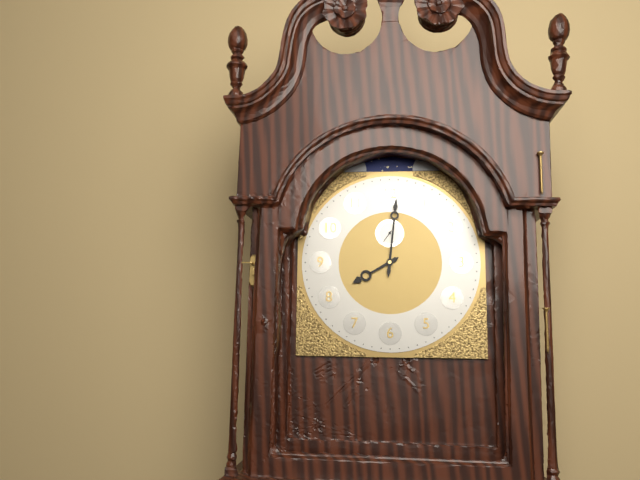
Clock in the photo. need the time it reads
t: 8:01
